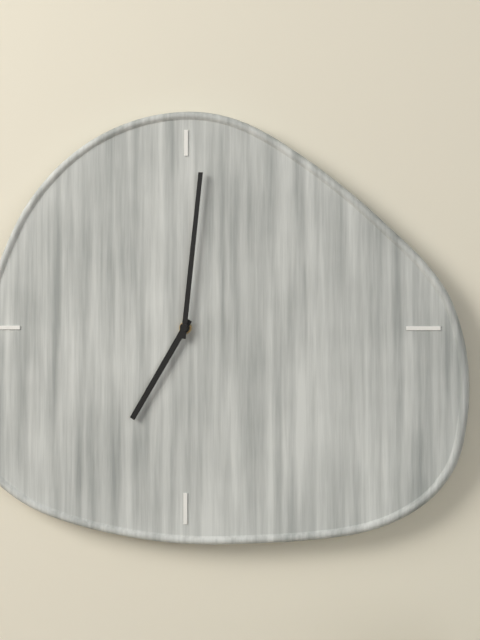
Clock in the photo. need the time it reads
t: 7:01
